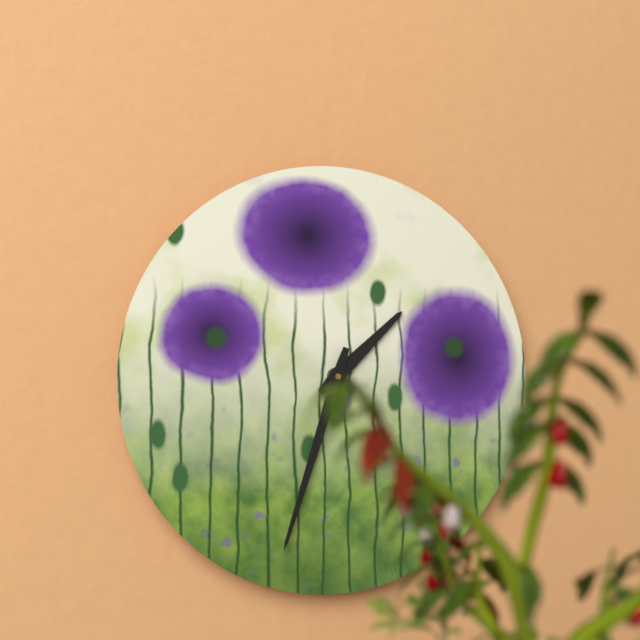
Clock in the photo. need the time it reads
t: 1:33
